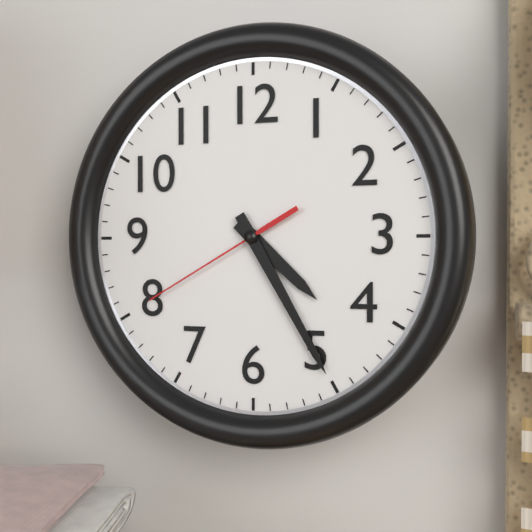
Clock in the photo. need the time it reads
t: 4:25:40
